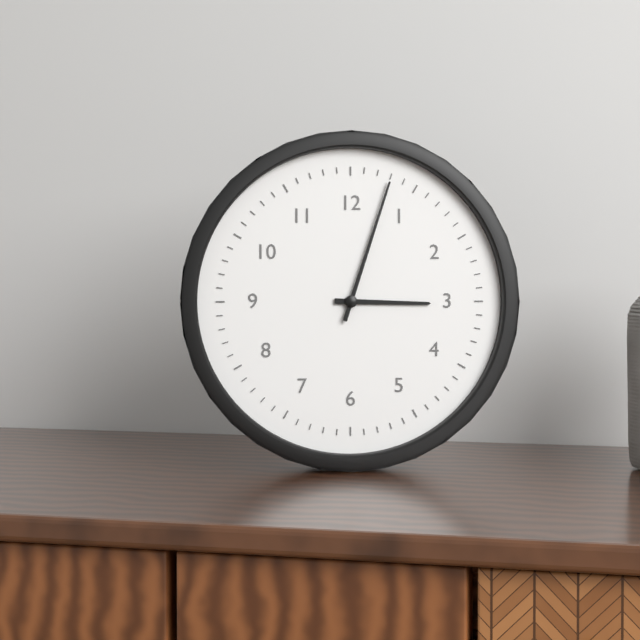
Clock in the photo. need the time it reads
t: 3:03
